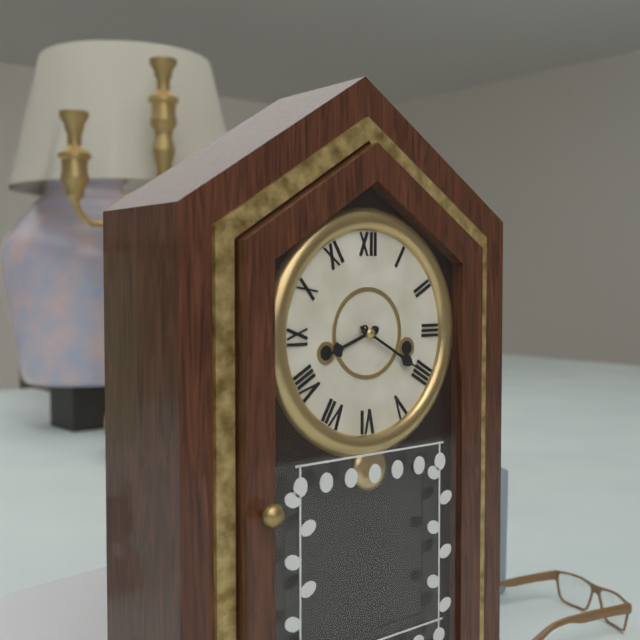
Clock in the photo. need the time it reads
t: 8:20
